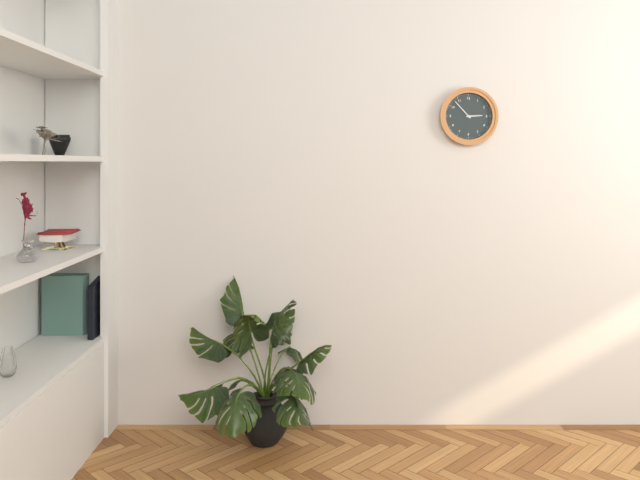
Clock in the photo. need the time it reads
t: 2:53
